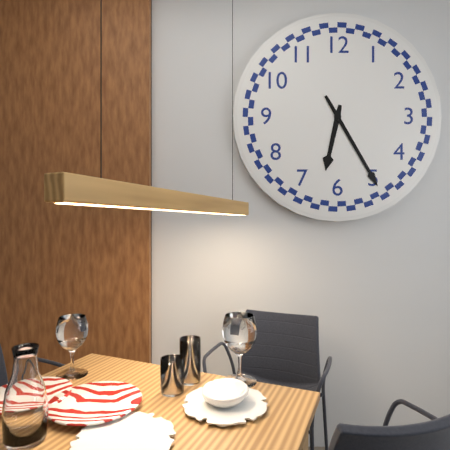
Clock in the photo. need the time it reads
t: 6:25
